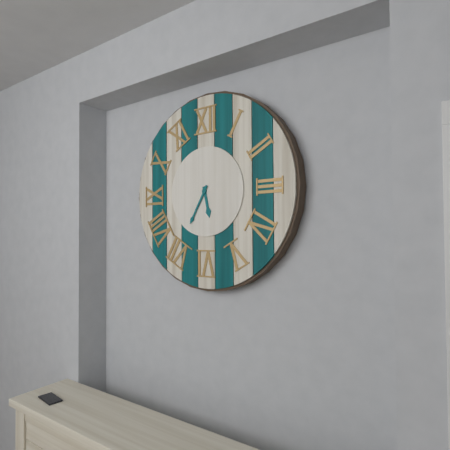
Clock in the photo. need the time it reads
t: 5:35
